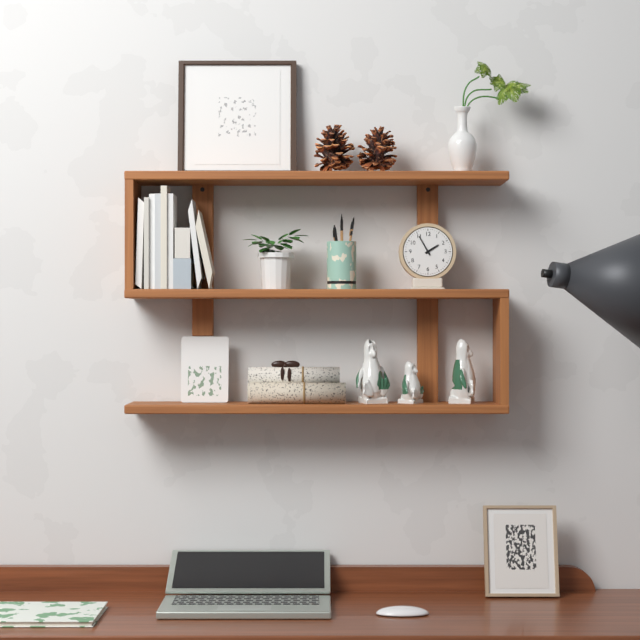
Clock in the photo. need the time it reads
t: 1:55
